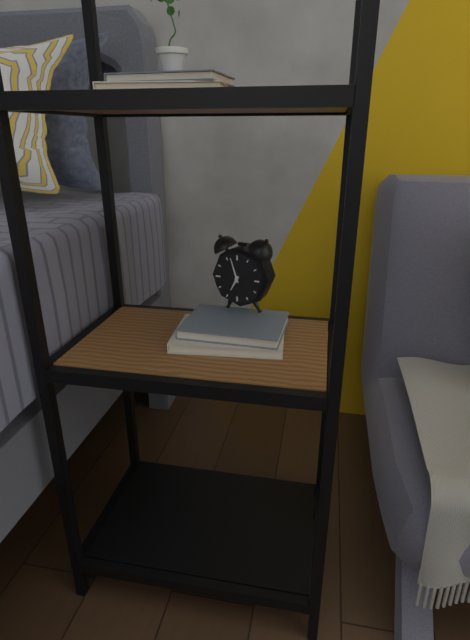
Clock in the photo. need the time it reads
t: 6:57
